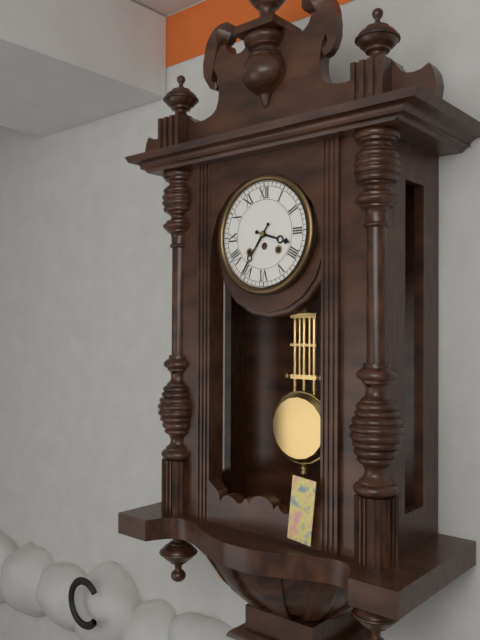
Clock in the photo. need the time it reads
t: 3:36
